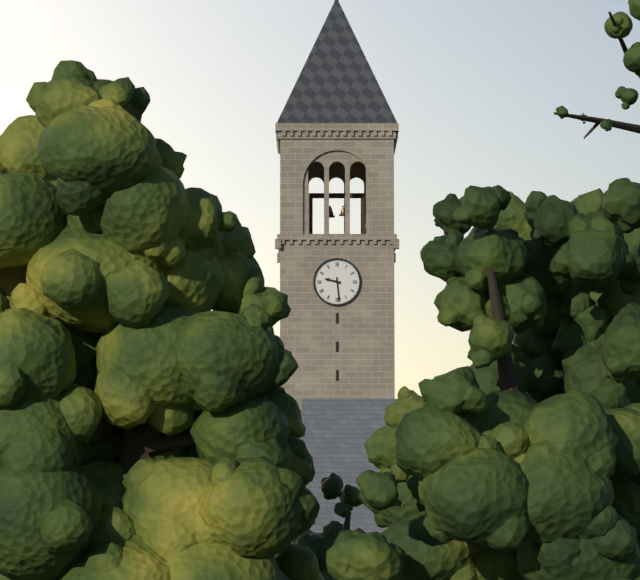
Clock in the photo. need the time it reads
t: 9:29
